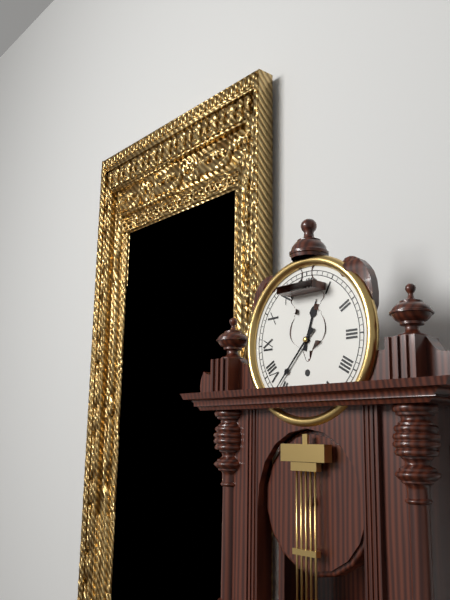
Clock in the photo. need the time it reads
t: 12:37
